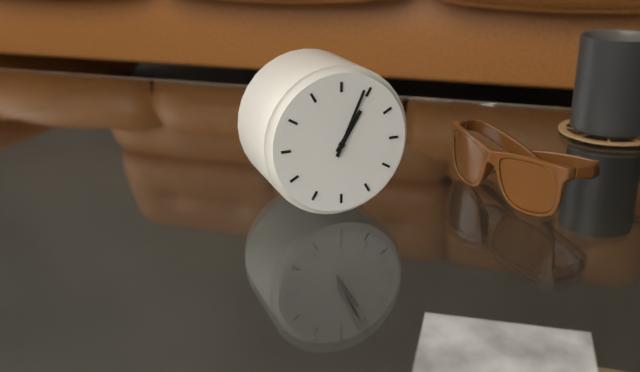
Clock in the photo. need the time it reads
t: 1:04
